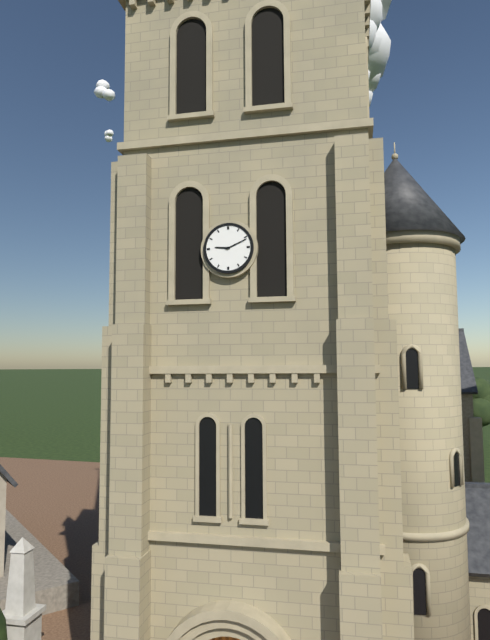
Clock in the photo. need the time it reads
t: 9:11
